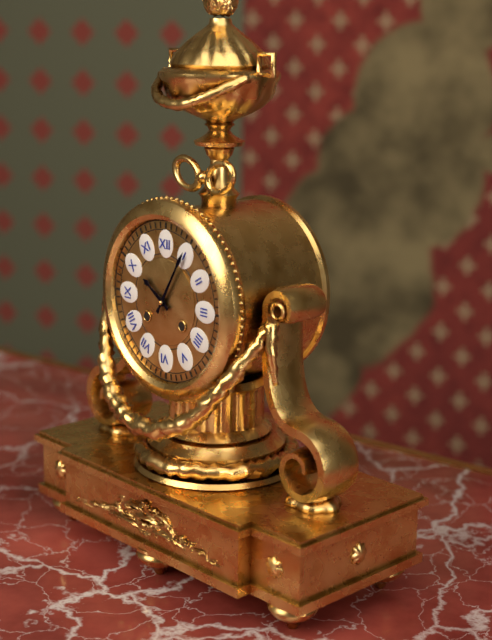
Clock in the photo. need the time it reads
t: 10:05
